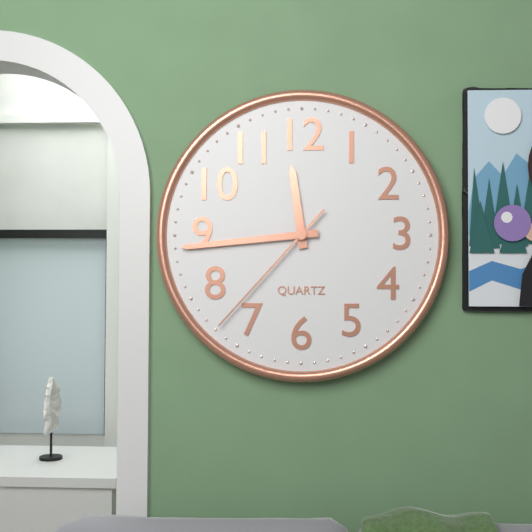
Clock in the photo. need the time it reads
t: 11:44:37
